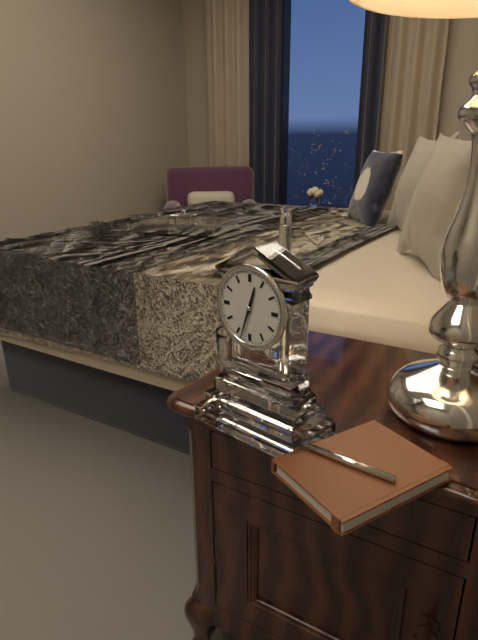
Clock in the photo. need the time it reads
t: 12:33
